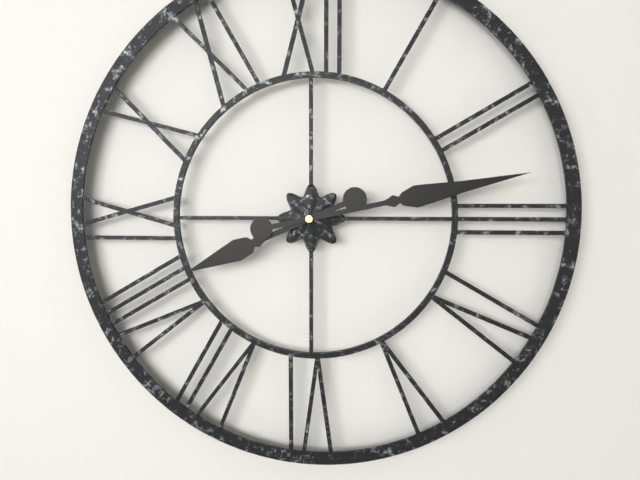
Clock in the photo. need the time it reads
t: 8:13
